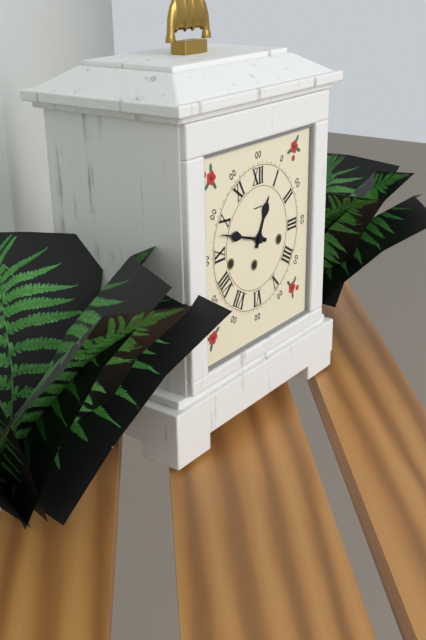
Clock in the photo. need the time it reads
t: 12:48
